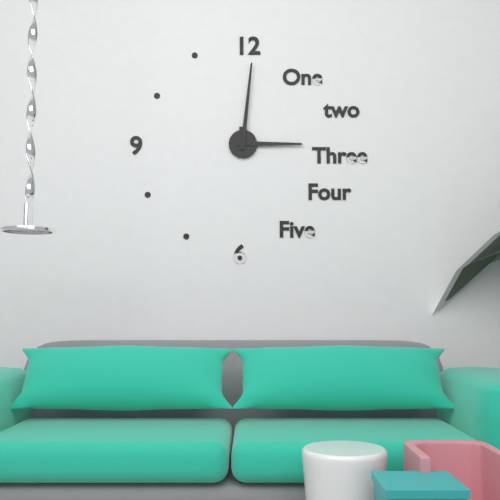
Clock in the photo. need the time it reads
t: 3:01
